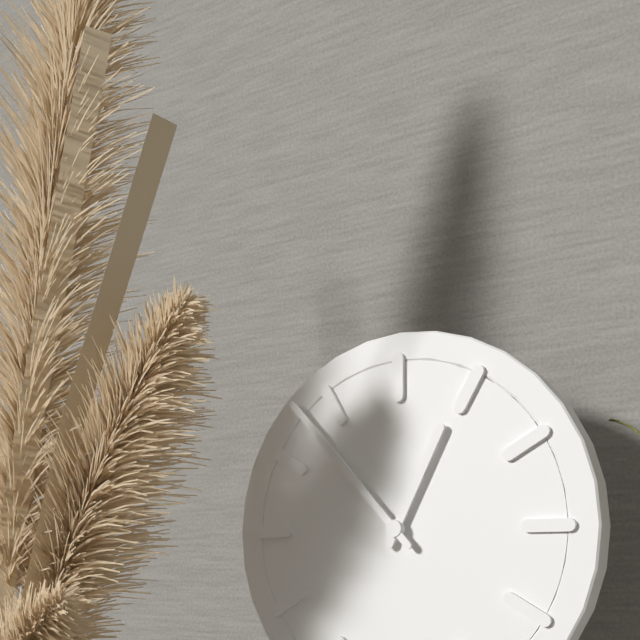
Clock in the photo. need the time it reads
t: 12:53
